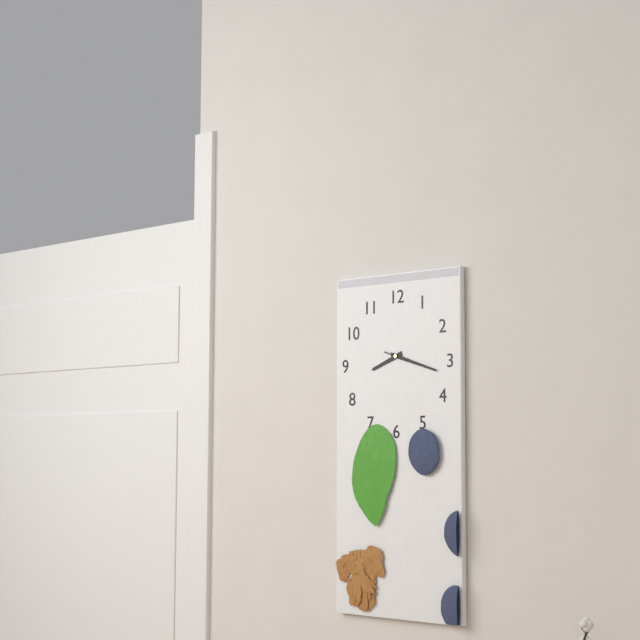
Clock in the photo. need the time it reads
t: 8:18:18
